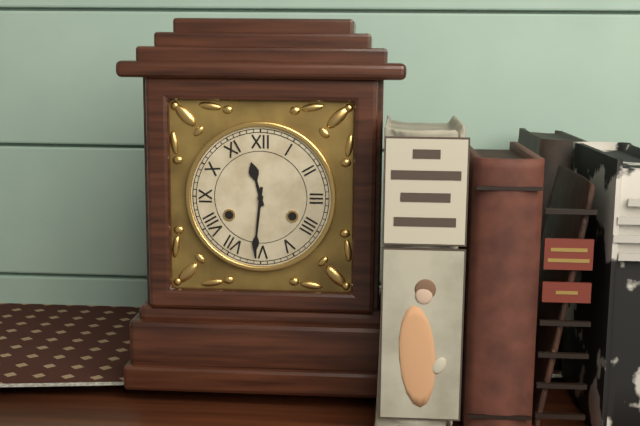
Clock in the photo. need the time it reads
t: 11:31
